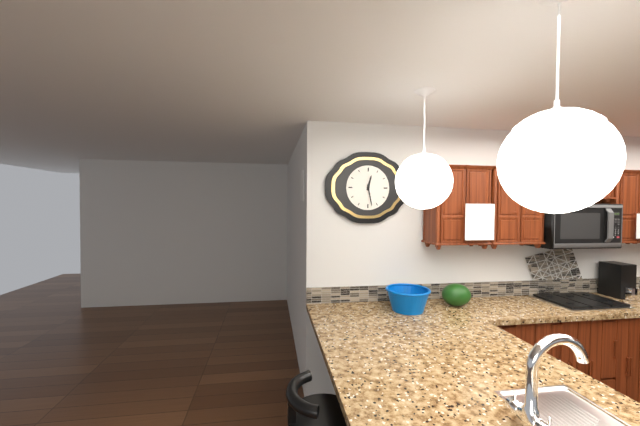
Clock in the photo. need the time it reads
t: 12:28
